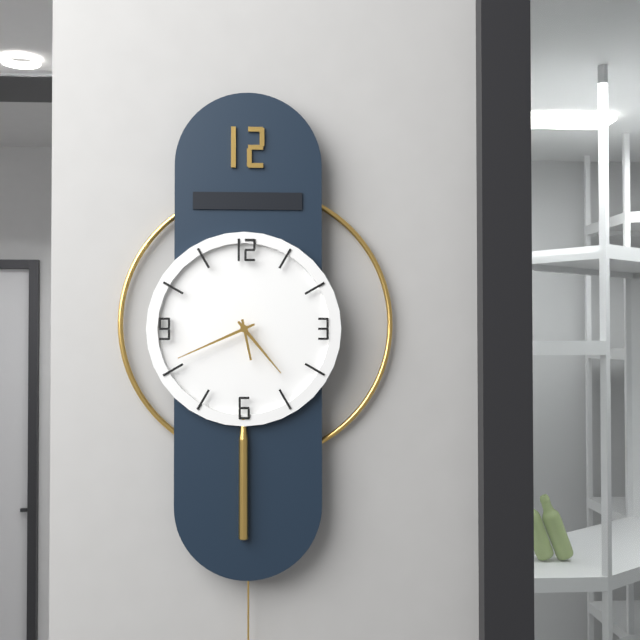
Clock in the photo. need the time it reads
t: 4:41
